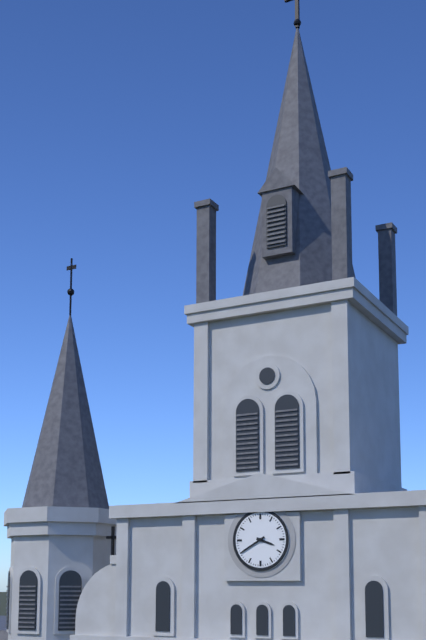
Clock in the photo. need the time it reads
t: 3:40
